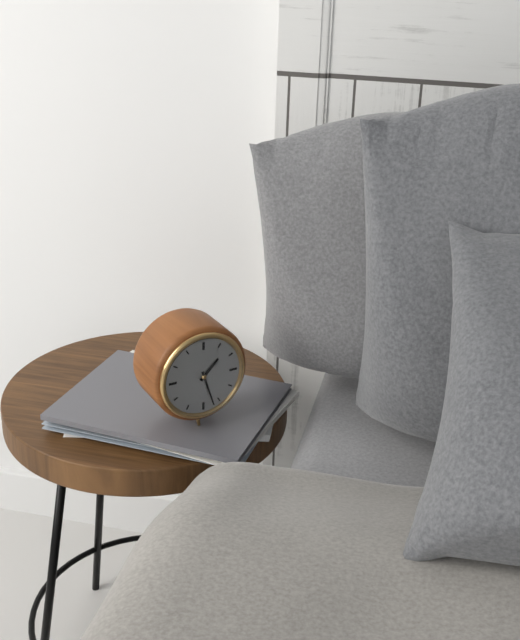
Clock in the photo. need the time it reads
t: 1:27
